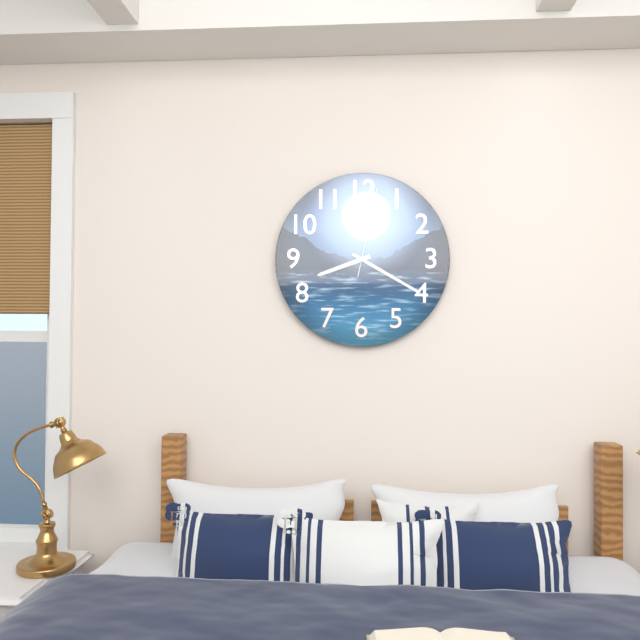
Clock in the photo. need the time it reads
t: 8:20:02
